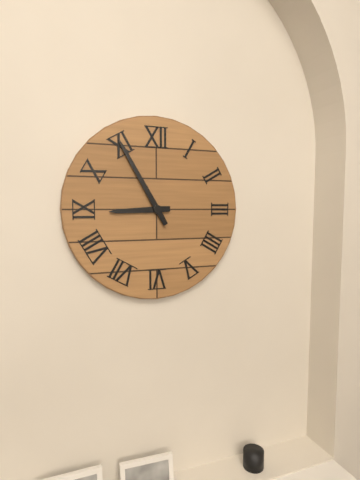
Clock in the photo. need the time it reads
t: 8:55
